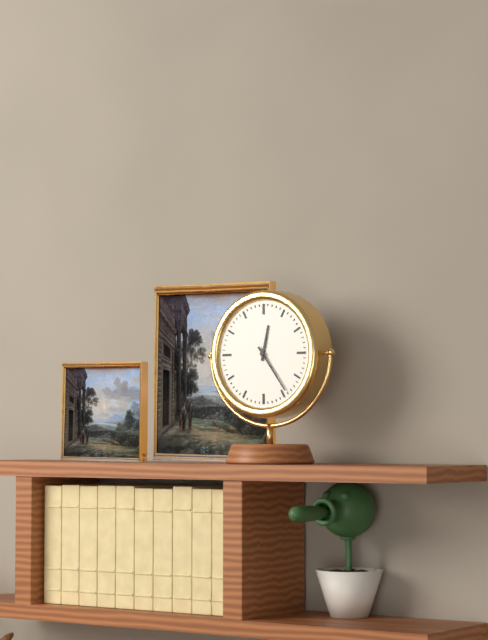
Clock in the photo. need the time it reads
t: 12:24
